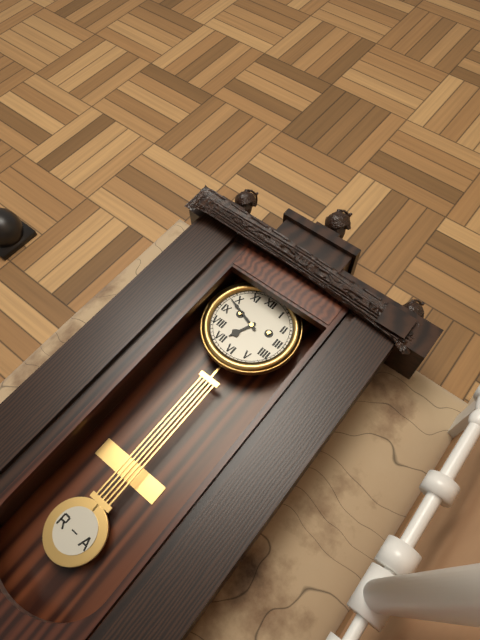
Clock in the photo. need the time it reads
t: 6:48
